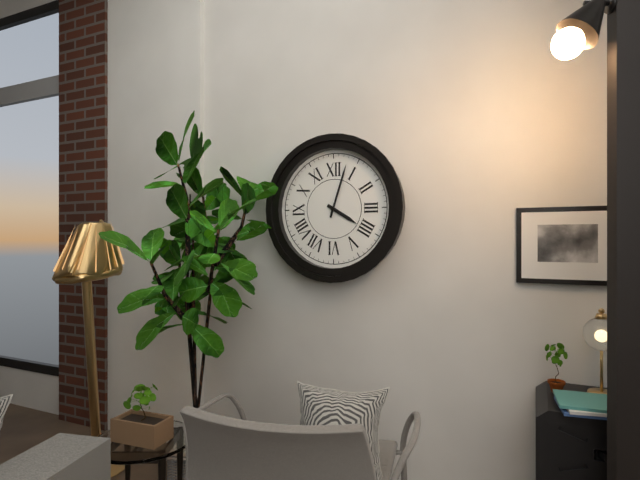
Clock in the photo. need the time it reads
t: 4:03
